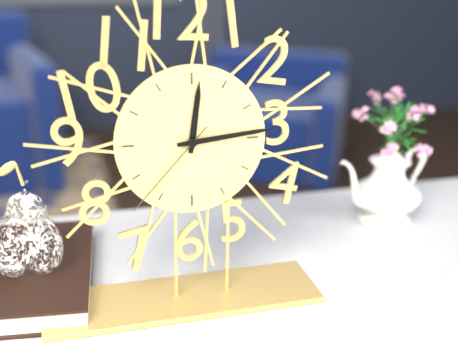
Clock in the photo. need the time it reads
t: 12:14:37
